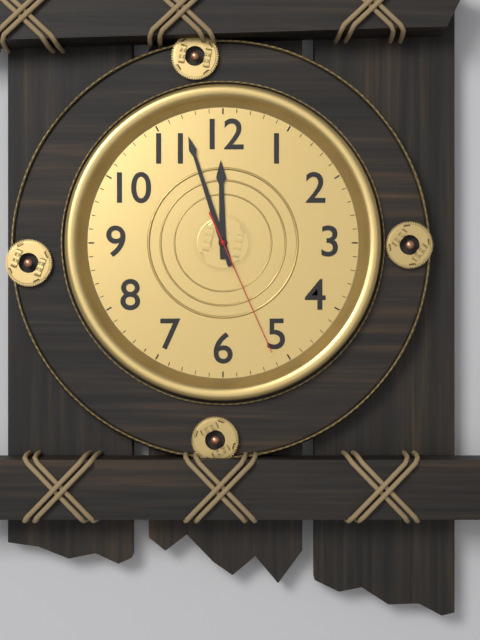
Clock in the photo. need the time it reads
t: 11:57:26
